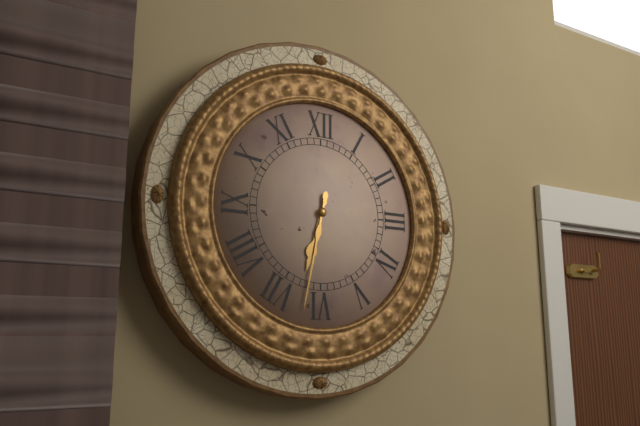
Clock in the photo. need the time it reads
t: 6:32
